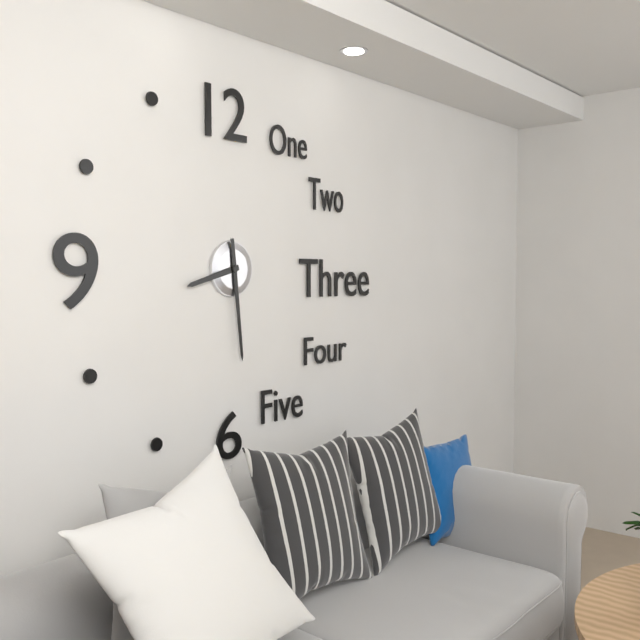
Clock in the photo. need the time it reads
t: 8:29
